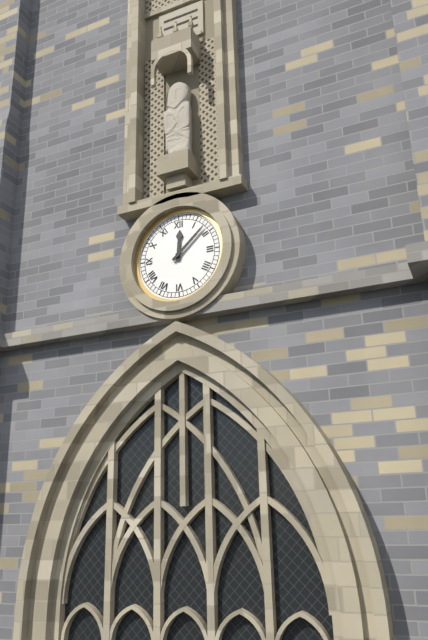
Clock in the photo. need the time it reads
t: 12:08
